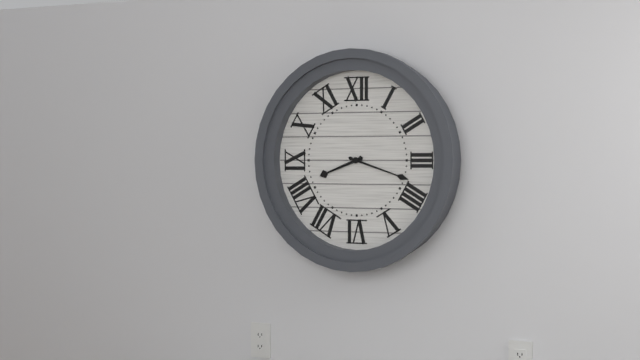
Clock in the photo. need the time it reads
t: 8:18
